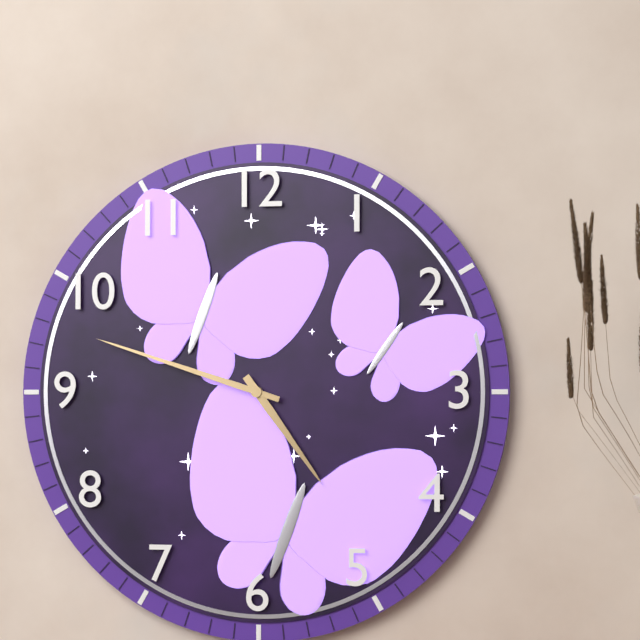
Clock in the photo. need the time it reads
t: 4:48
